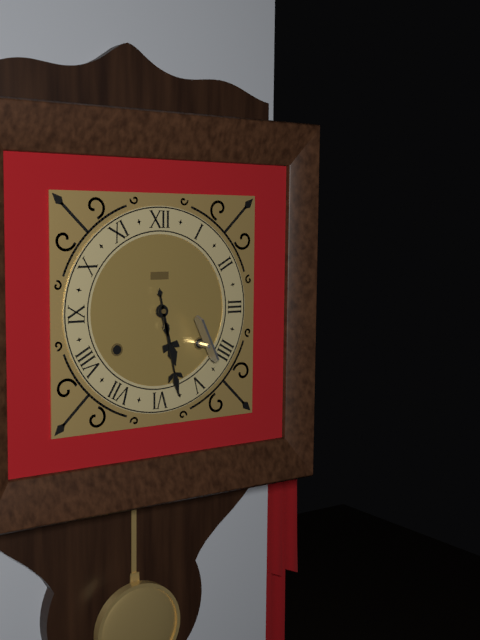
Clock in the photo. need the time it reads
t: 5:28
